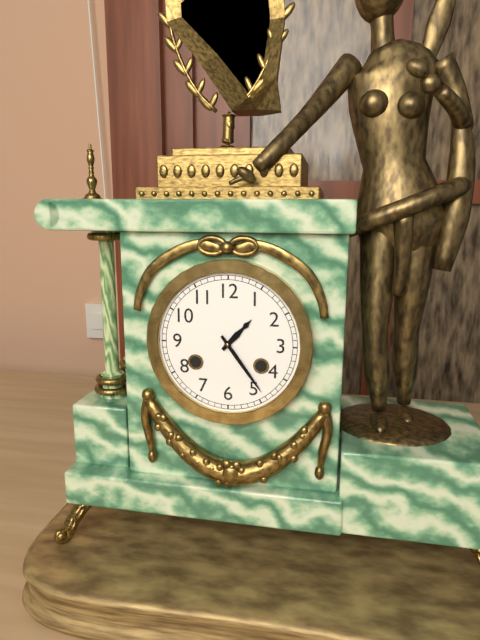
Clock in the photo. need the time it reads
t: 1:24
